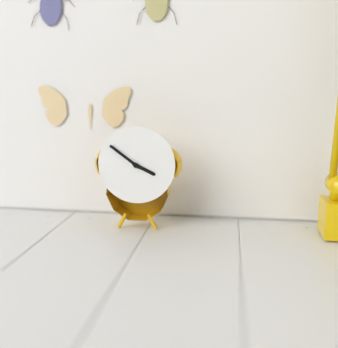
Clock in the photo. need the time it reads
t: 3:51
